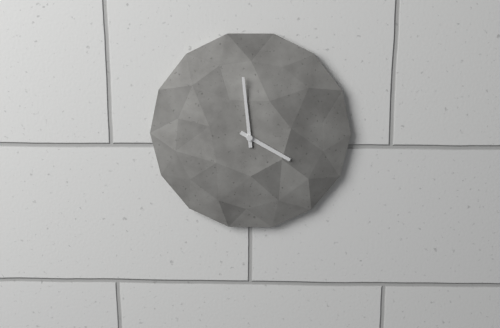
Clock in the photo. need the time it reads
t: 3:59
